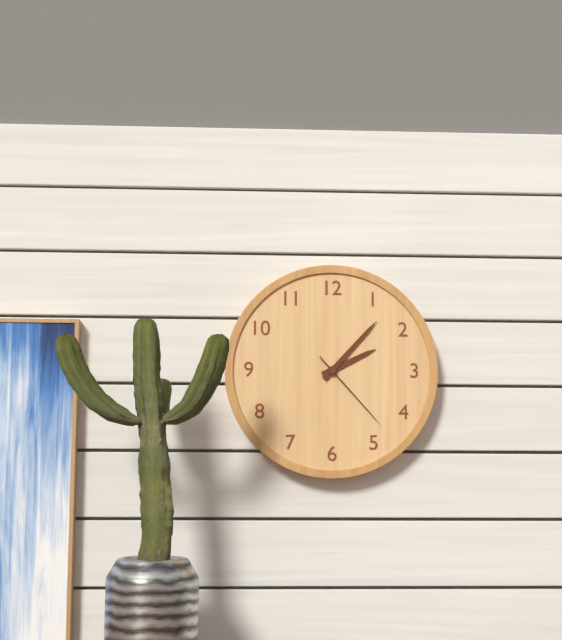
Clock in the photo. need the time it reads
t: 2:07:23
